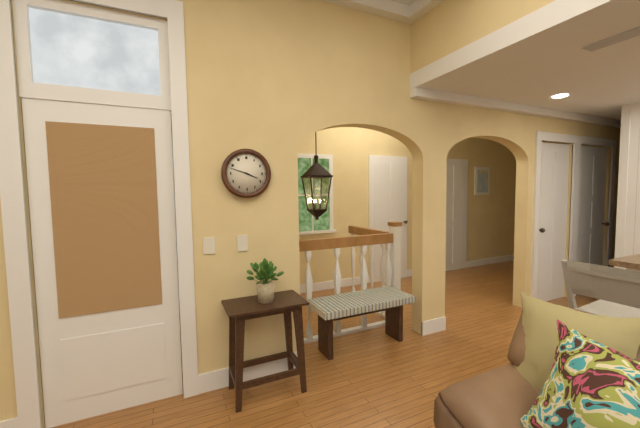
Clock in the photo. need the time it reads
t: 3:48
